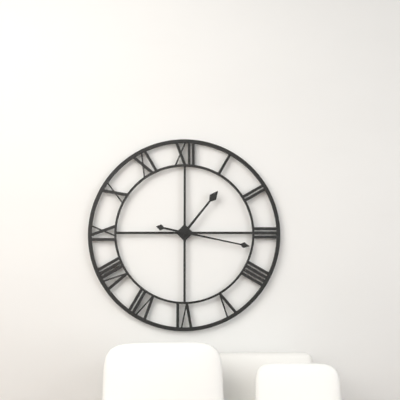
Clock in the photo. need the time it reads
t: 1:17
